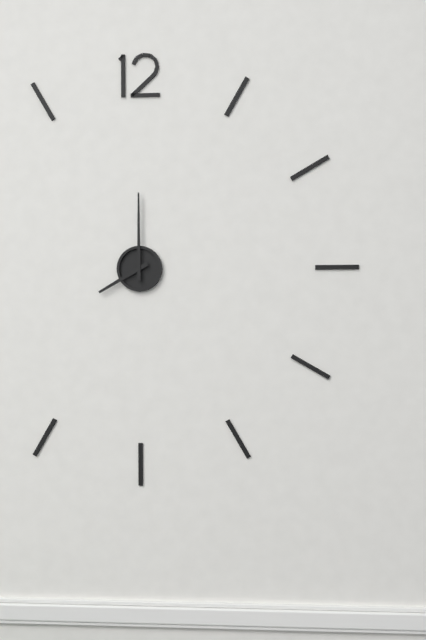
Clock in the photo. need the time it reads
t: 8:00
